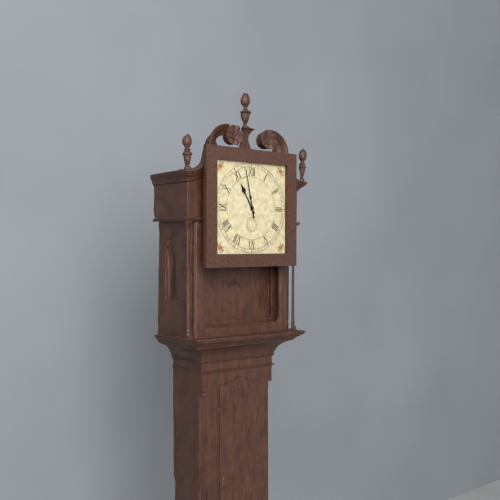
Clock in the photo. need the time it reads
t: 10:58
